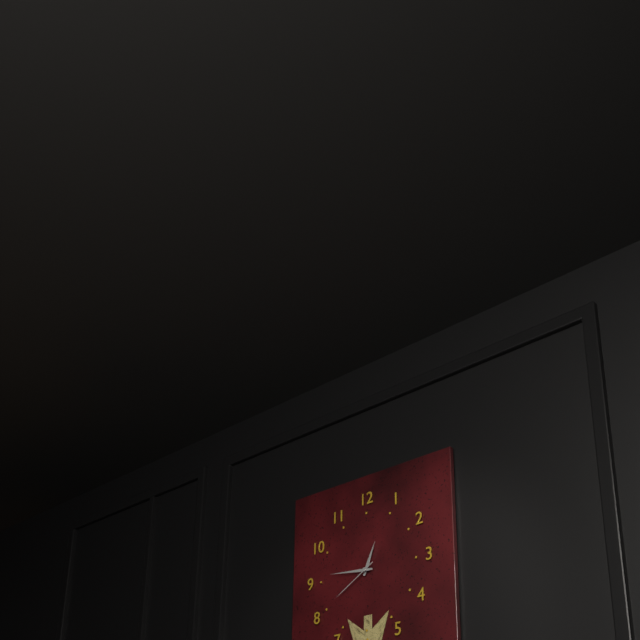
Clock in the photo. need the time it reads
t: 12:46:40
